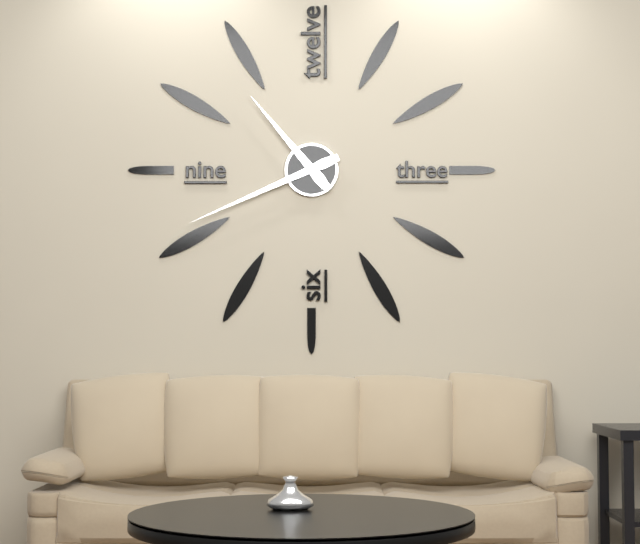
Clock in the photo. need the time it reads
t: 10:41
